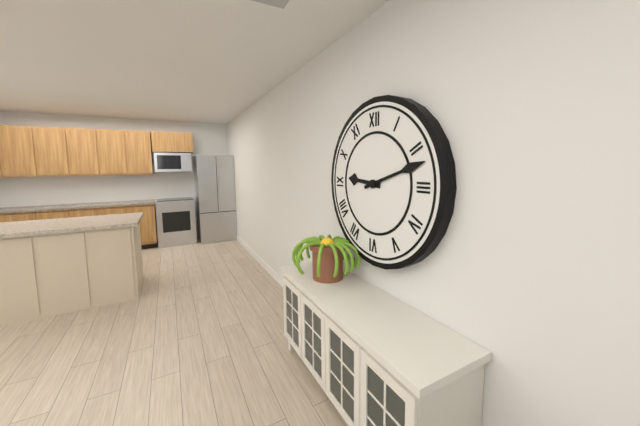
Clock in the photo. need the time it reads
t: 9:12
